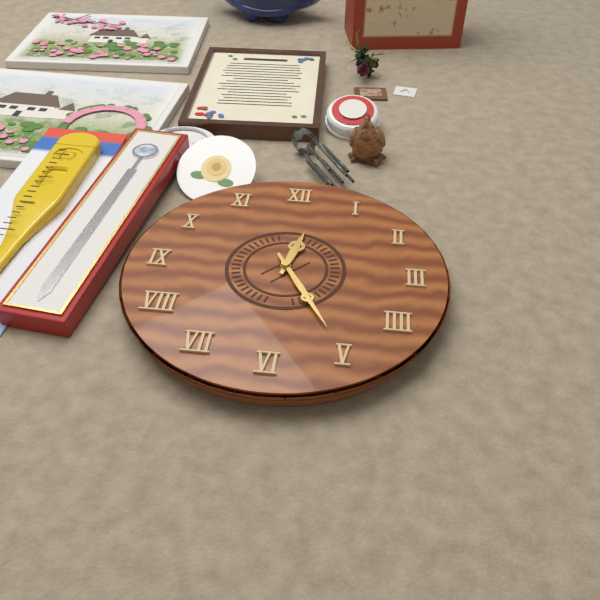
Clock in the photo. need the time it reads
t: 12:25
